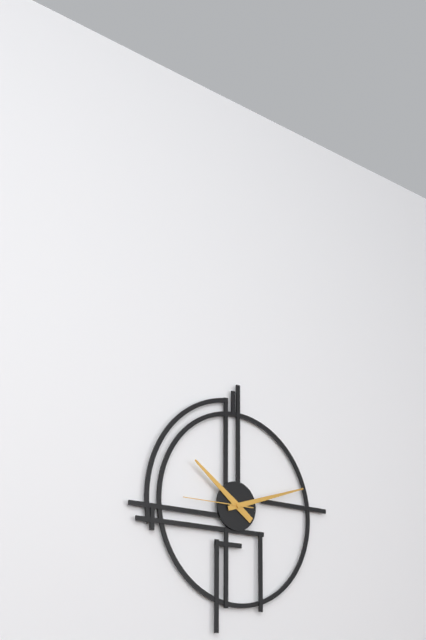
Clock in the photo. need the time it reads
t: 10:12:45
